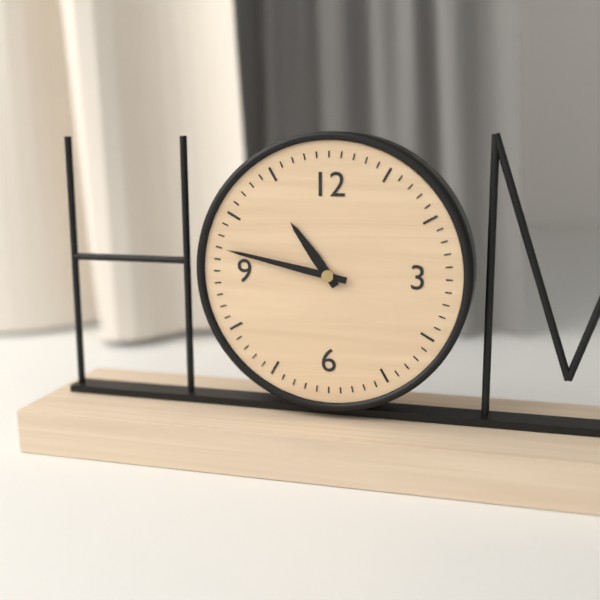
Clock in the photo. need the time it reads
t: 10:47
